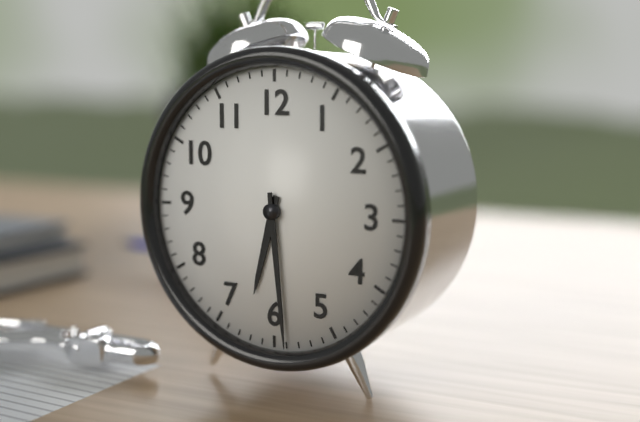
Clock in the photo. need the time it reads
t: 6:29
